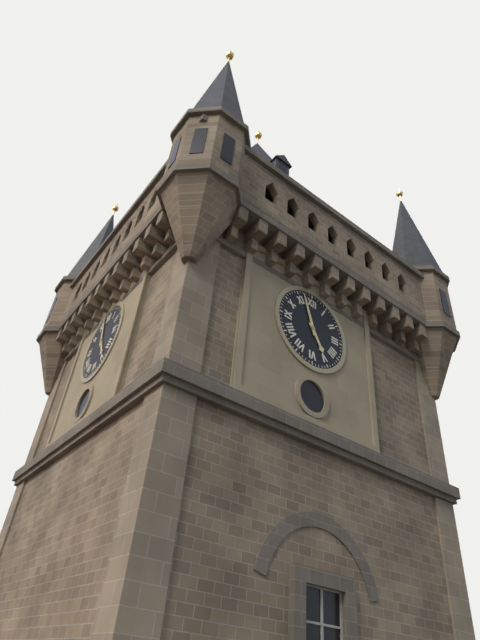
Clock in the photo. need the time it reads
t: 4:57
